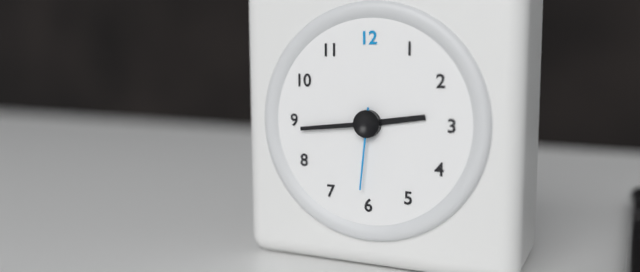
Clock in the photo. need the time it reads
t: 2:44:31
